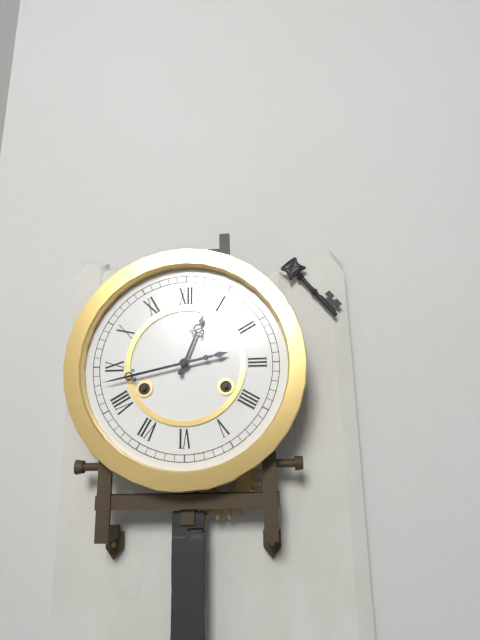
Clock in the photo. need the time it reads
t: 12:43
